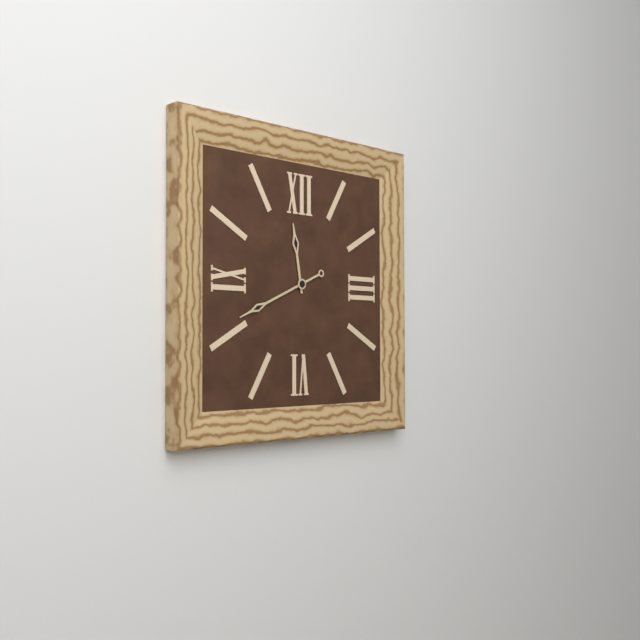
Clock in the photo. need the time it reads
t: 11:41
